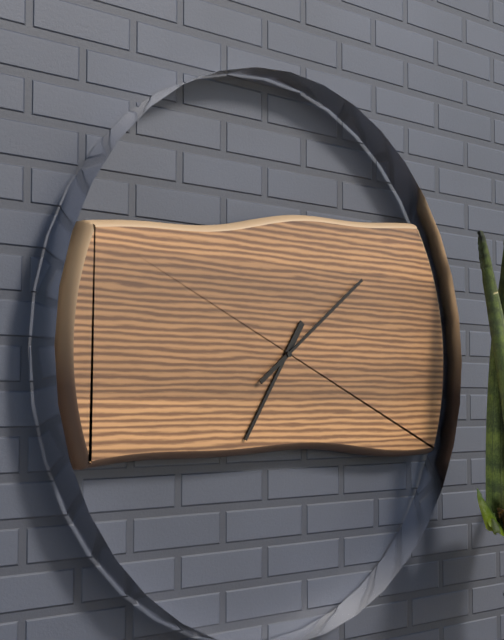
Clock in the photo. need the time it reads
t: 7:09
